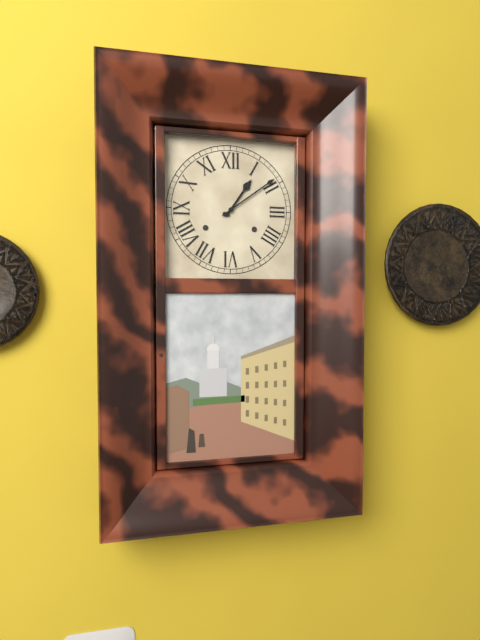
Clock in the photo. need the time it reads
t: 1:09
